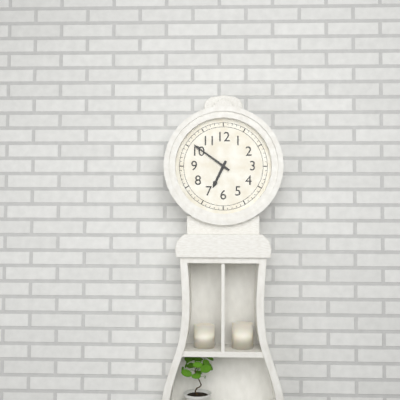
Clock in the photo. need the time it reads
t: 6:51
